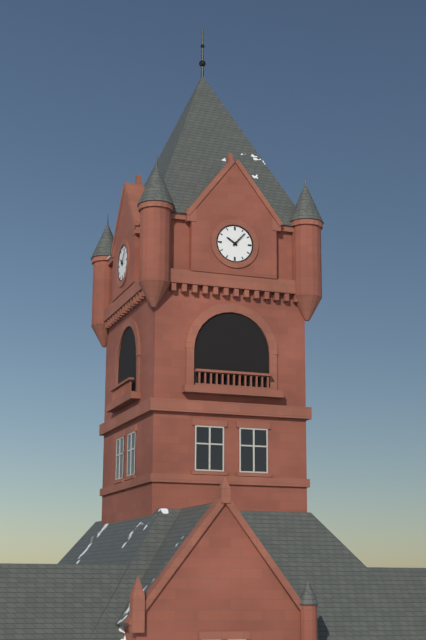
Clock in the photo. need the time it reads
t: 10:07
